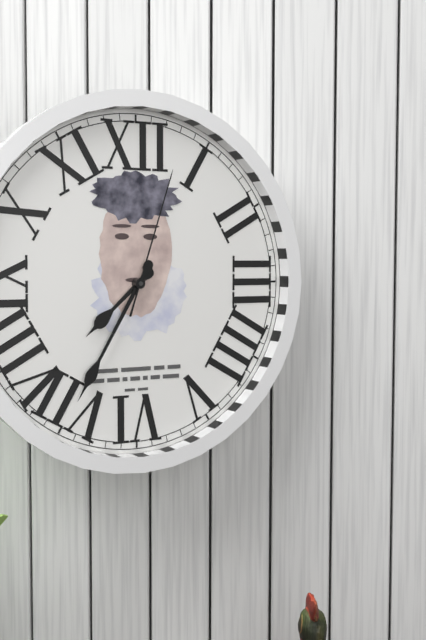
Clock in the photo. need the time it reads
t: 7:35:03
